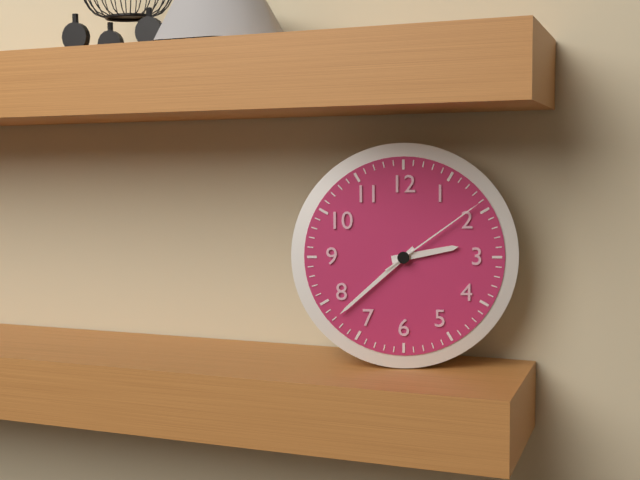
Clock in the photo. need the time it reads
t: 2:38:09
